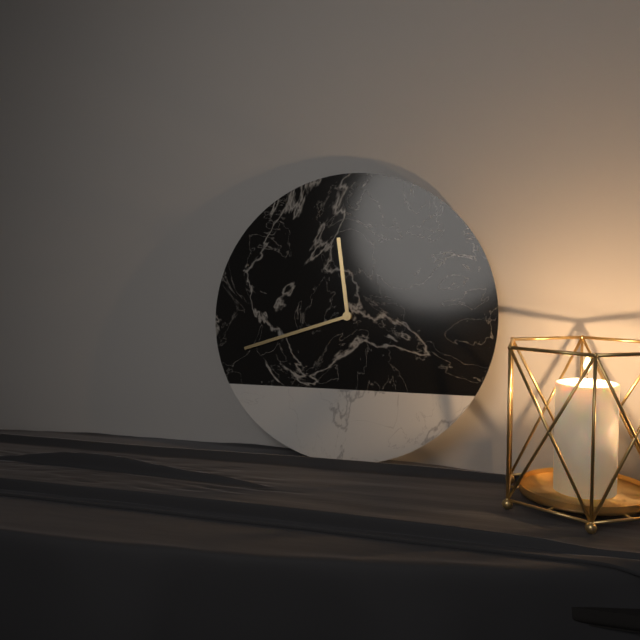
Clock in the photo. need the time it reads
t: 11:42
